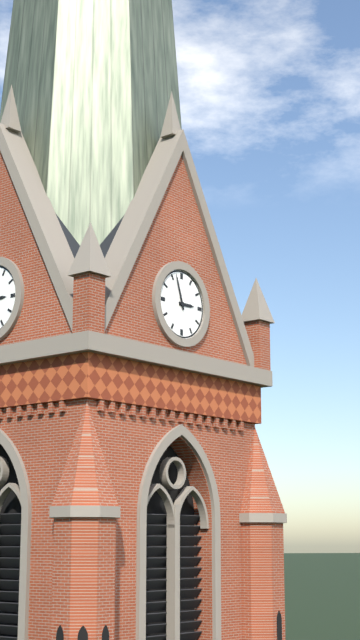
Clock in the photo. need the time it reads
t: 2:57
